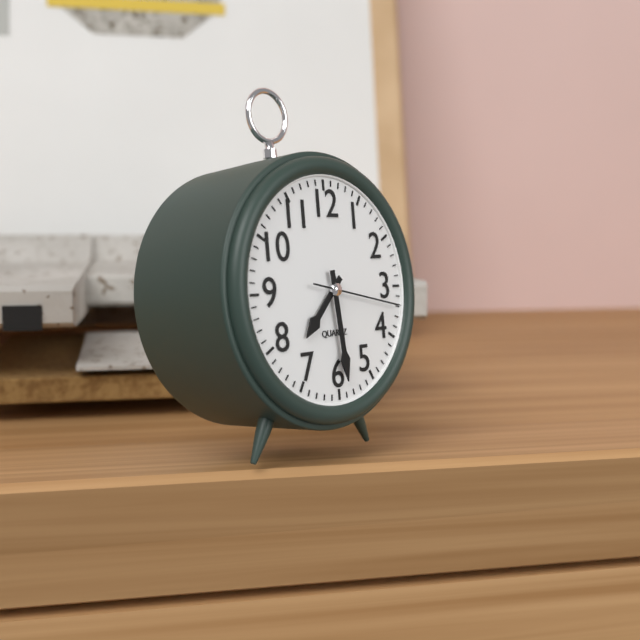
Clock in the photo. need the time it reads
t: 7:29:17
